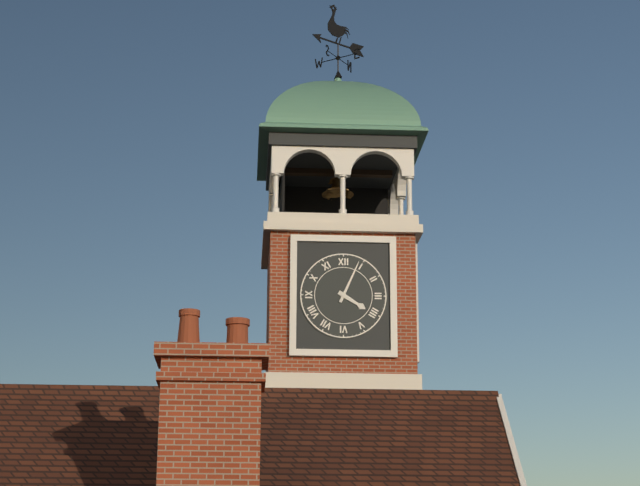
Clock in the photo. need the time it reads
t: 4:04
